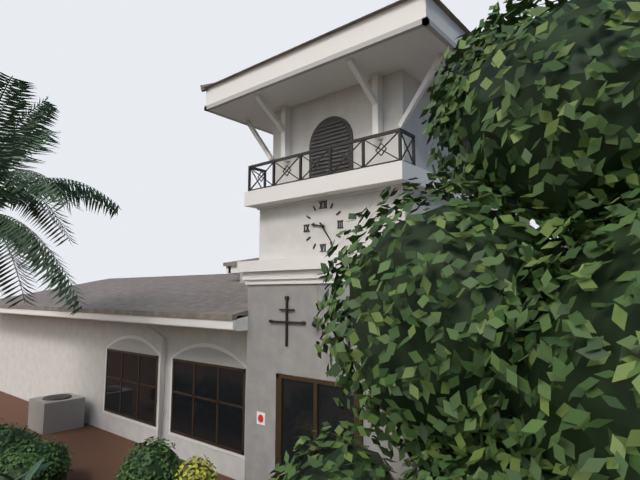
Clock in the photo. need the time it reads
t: 9:24
